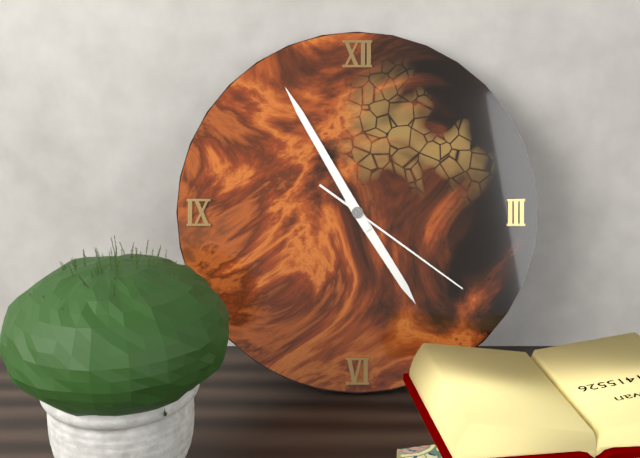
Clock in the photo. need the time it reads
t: 4:55:21
